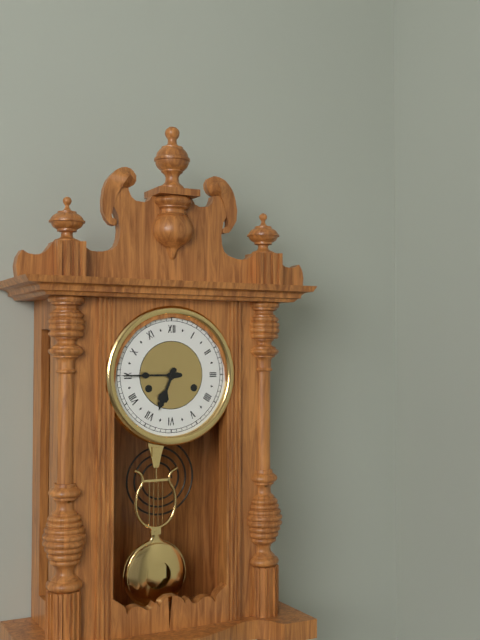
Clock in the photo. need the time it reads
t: 6:45
